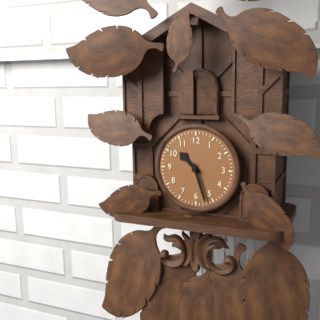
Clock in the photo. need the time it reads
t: 10:27
